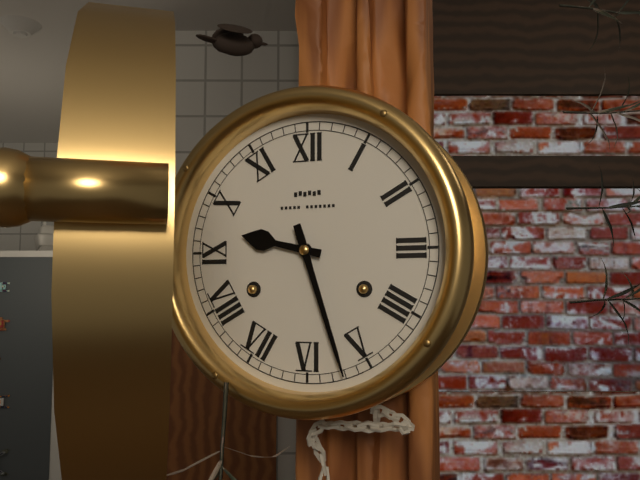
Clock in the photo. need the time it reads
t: 9:27
